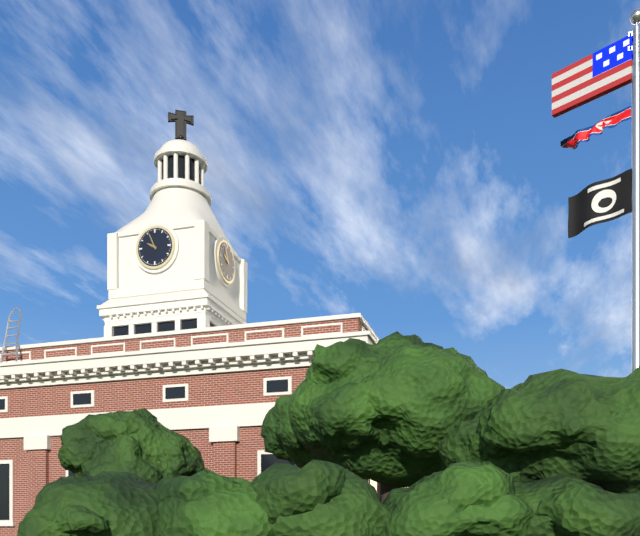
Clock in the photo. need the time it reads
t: 9:56
